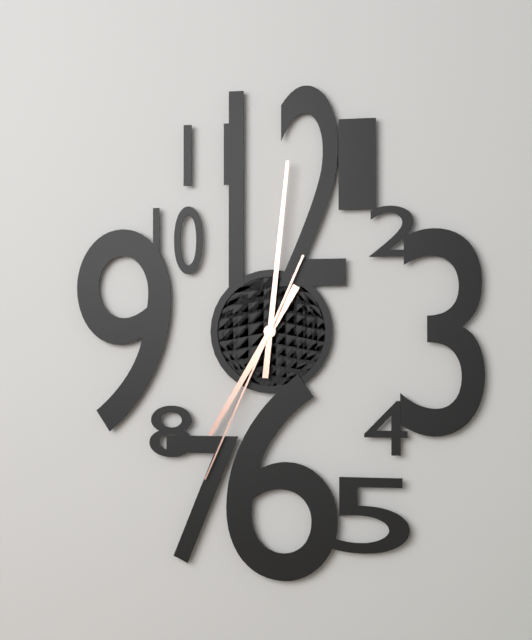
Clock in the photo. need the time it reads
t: 7:01:34
